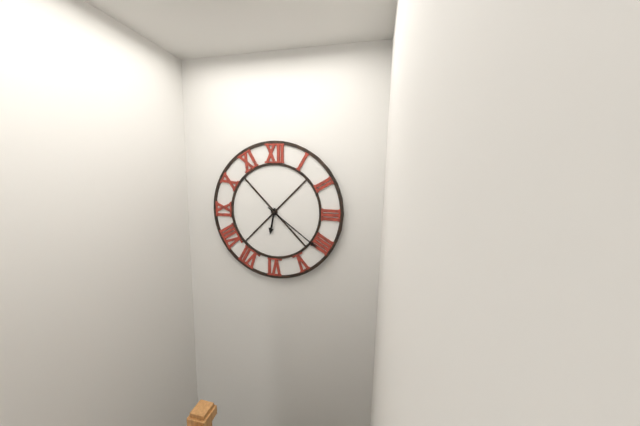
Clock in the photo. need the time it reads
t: 6:21
